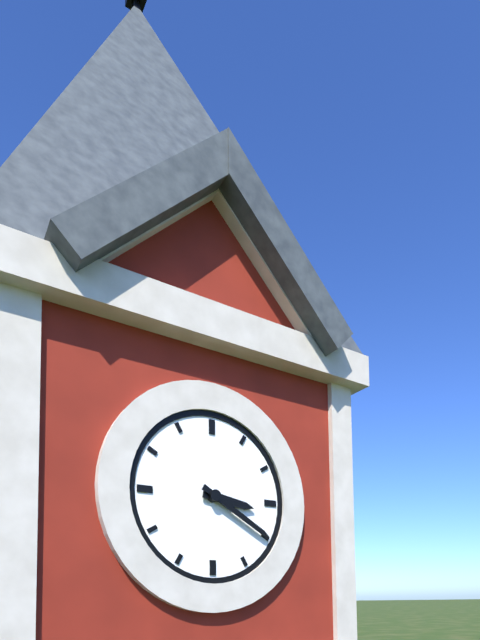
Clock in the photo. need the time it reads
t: 3:20
